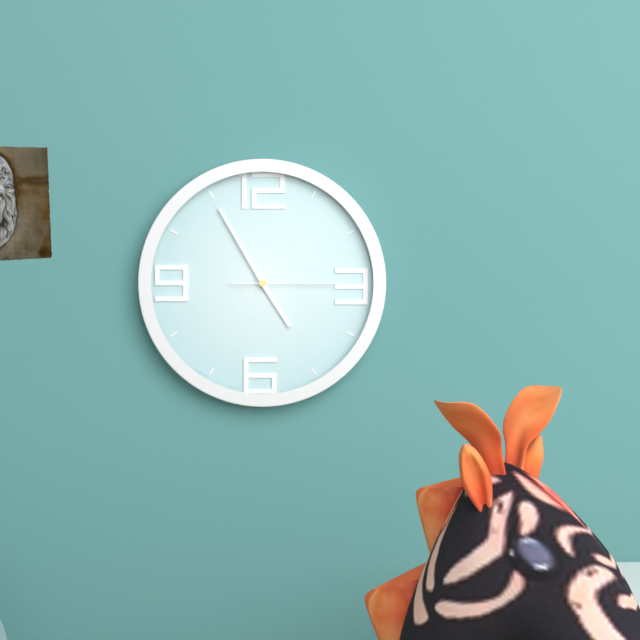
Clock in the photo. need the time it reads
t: 4:55:15
